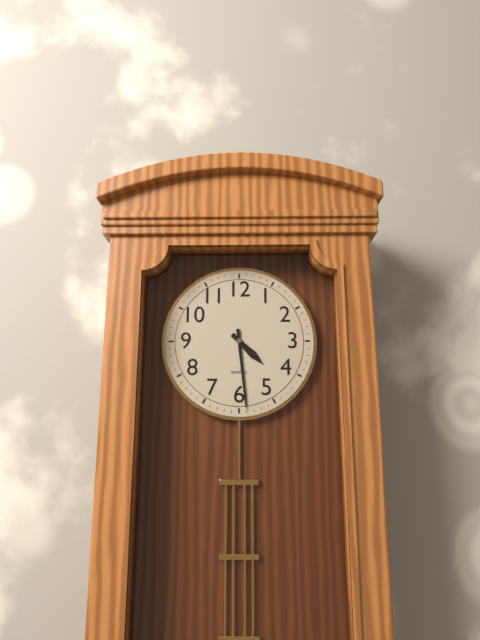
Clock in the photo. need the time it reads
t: 4:29
